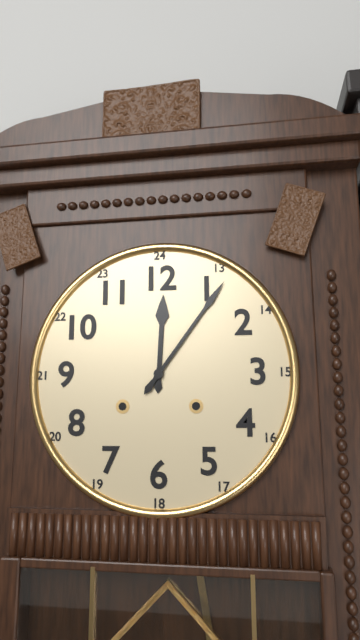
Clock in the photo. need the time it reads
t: 12:06
